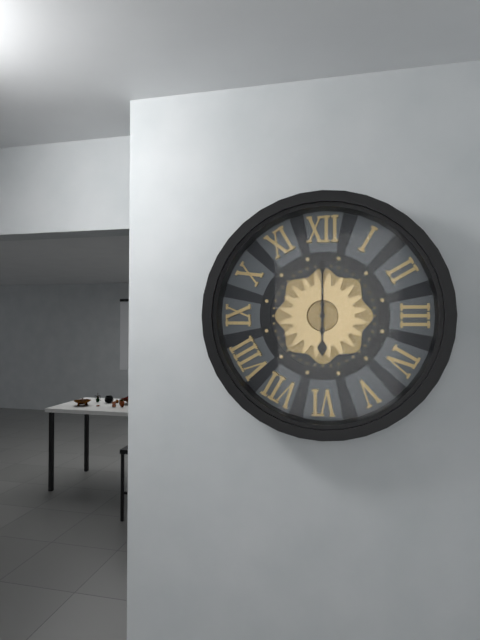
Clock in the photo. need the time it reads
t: 6:00
